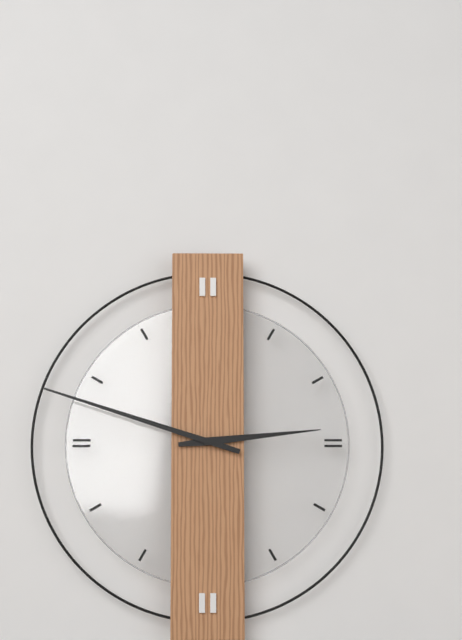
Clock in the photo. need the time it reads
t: 2:48
